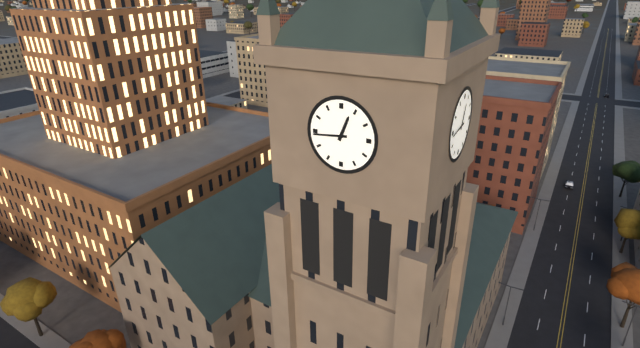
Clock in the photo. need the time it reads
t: 12:44
